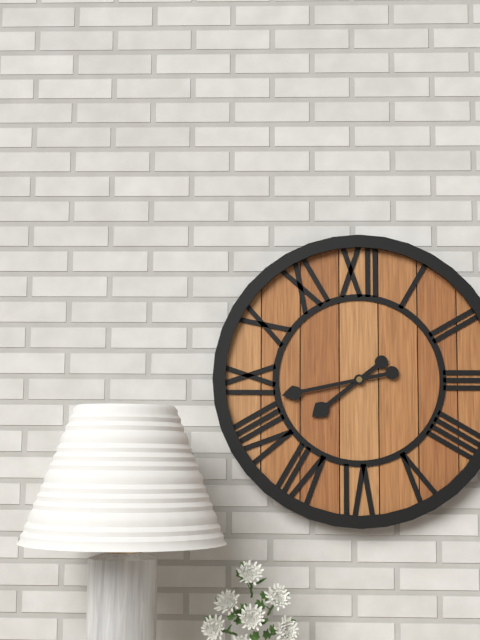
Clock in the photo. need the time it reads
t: 7:43
